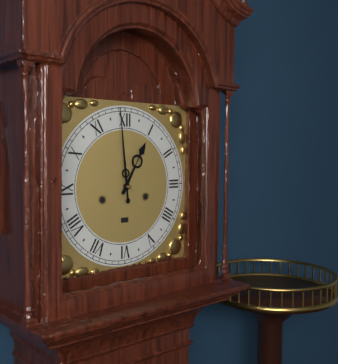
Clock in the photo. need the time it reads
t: 12:59
